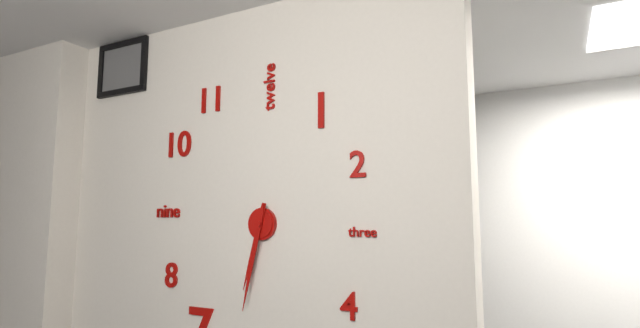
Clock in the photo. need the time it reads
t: 6:32
